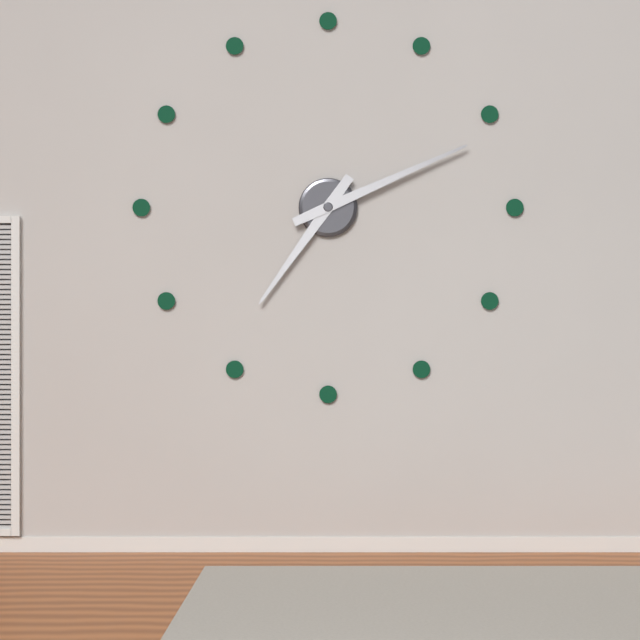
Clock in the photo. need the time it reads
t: 7:11
